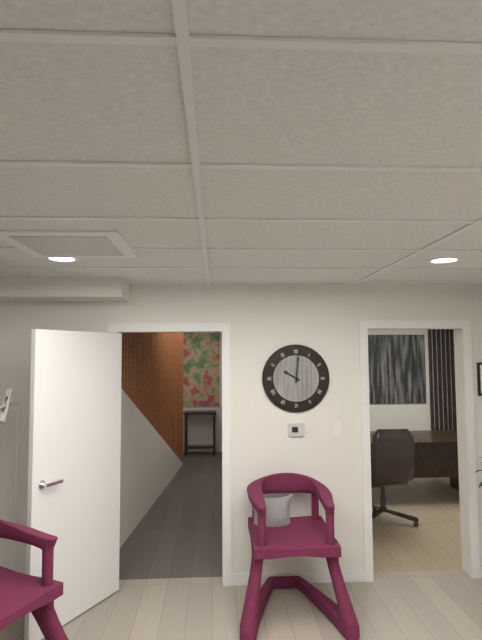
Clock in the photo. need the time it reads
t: 10:01
